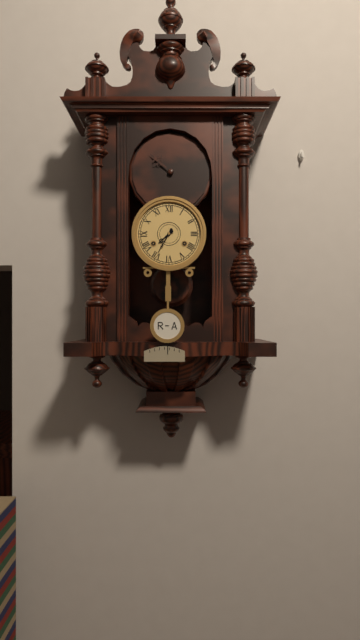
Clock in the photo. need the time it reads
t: 7:35
